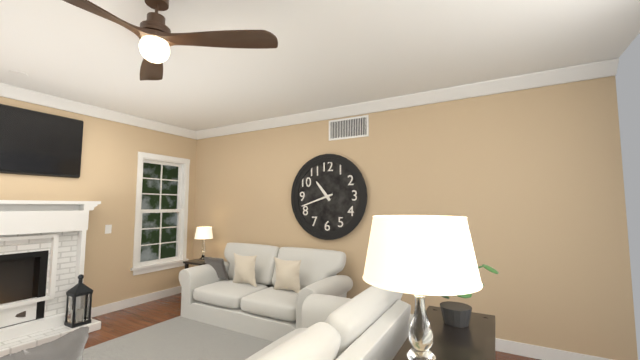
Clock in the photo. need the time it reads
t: 10:42
